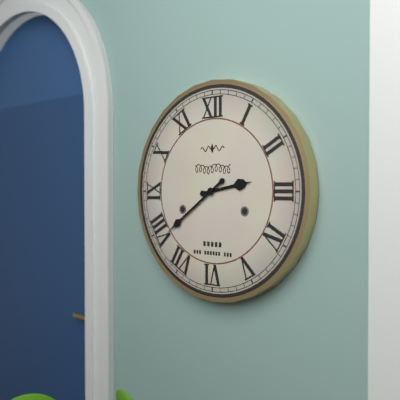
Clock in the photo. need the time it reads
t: 2:39
